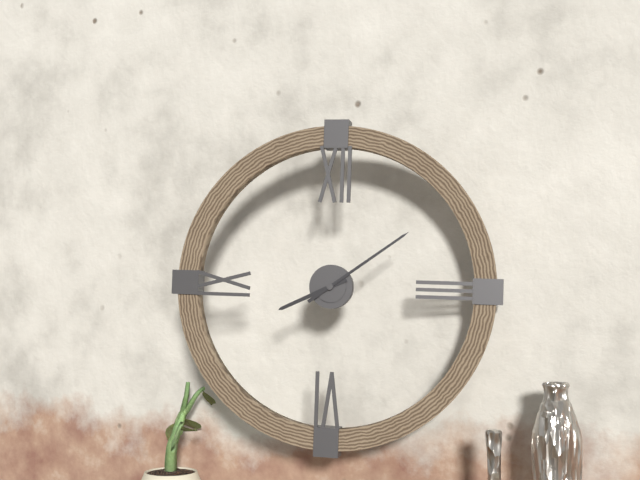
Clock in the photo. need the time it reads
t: 8:09
